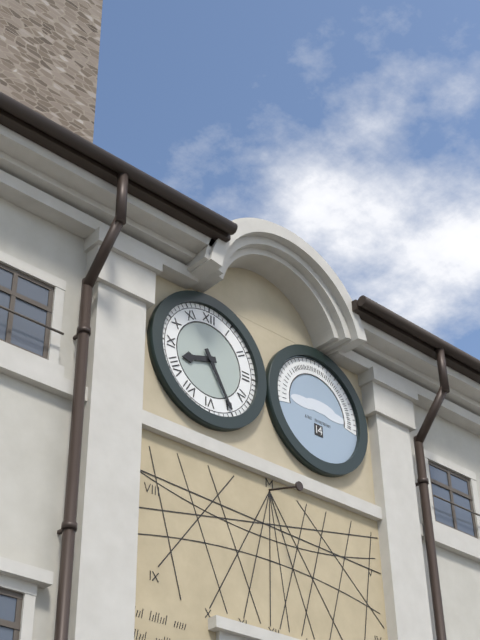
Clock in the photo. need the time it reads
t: 8:25
